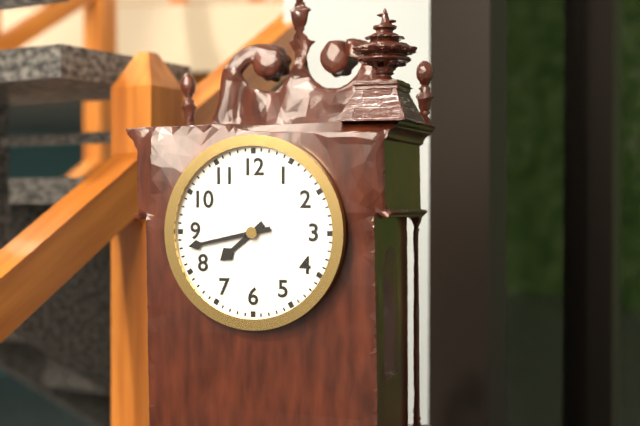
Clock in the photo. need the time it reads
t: 7:43
